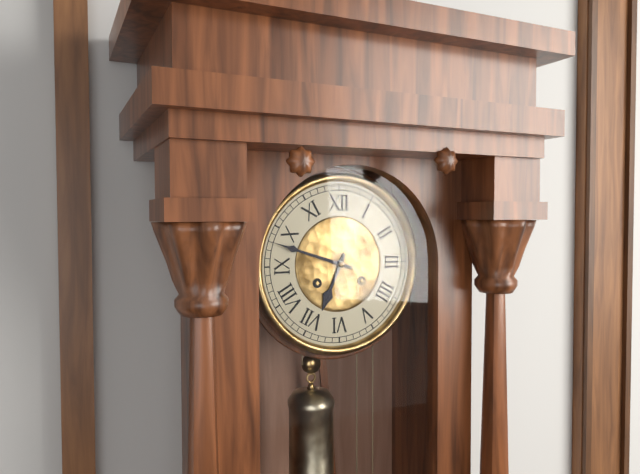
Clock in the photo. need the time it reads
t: 6:48
